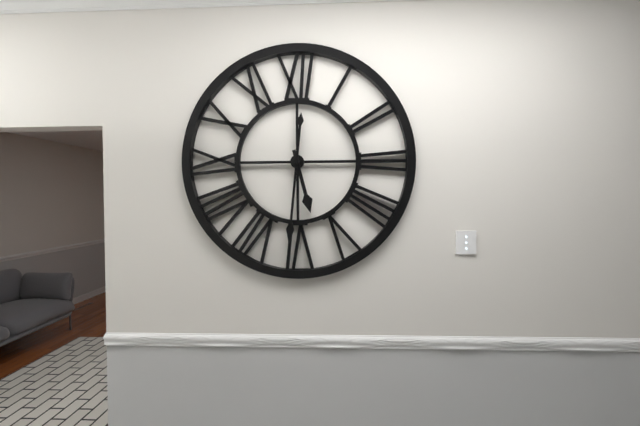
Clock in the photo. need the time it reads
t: 5:31
